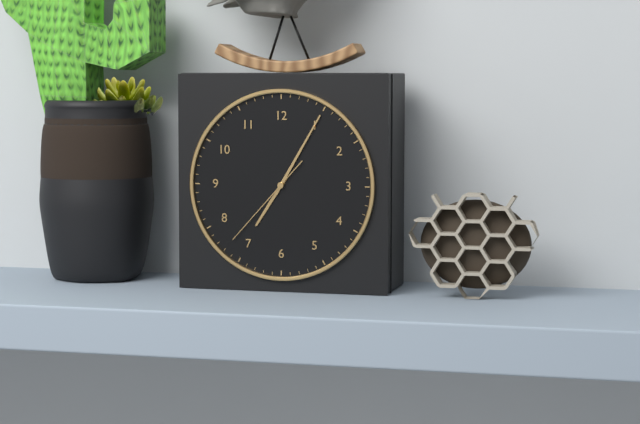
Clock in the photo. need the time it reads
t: 7:05:37
